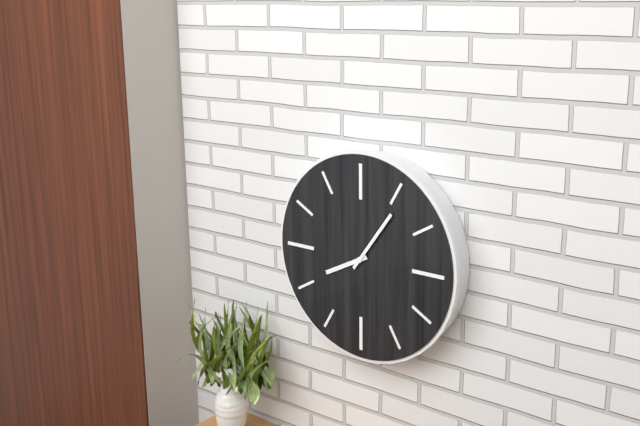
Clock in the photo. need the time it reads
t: 8:06
